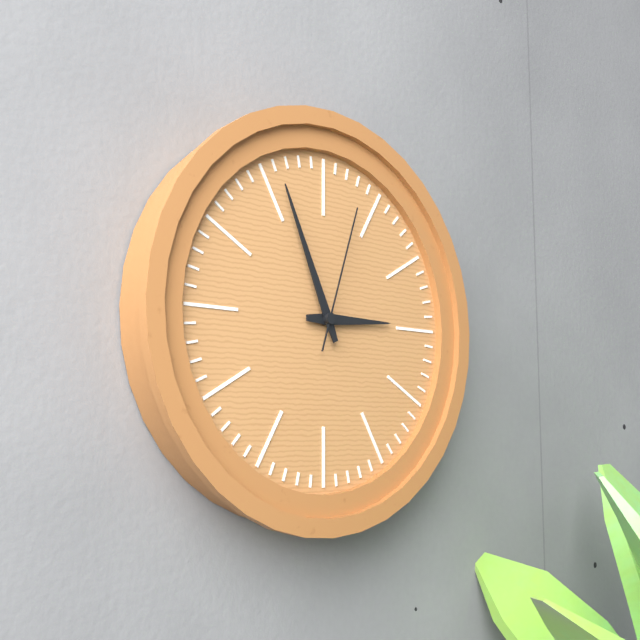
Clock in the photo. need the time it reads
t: 2:56:03
